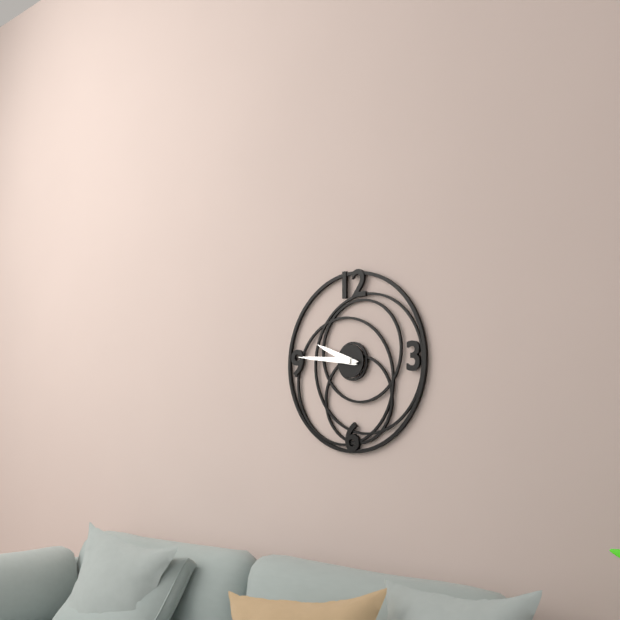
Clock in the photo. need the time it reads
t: 9:46
